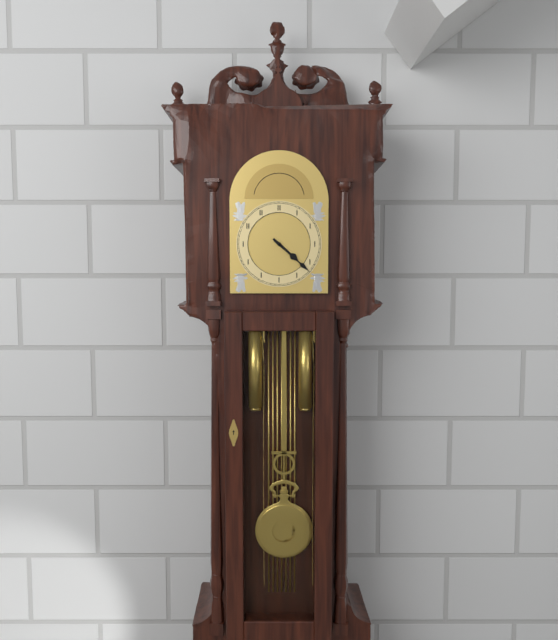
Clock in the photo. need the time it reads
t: 4:22
